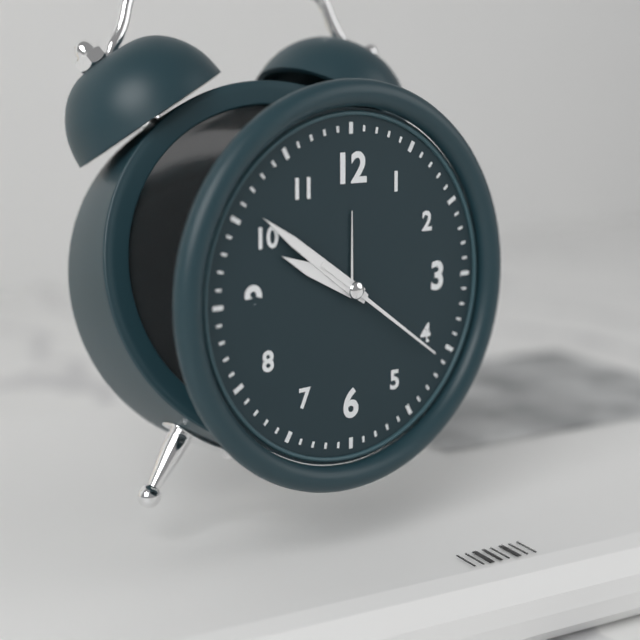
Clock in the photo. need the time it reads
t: 9:51:21
